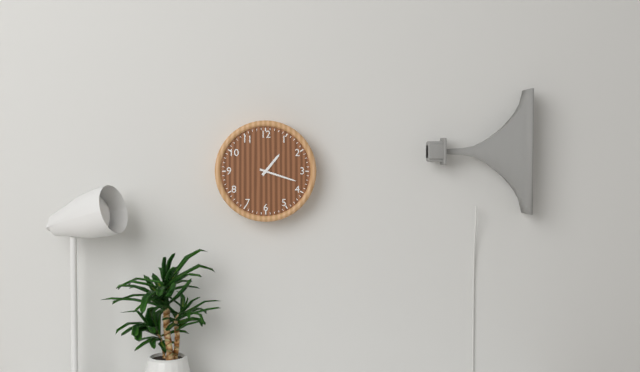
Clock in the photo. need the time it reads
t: 1:18
